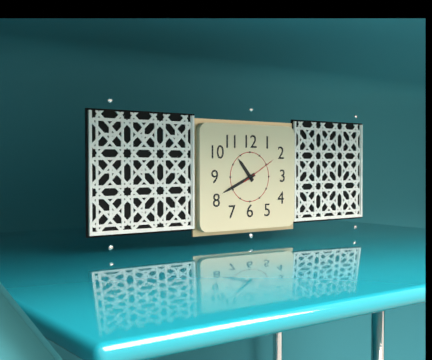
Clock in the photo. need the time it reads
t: 10:41
